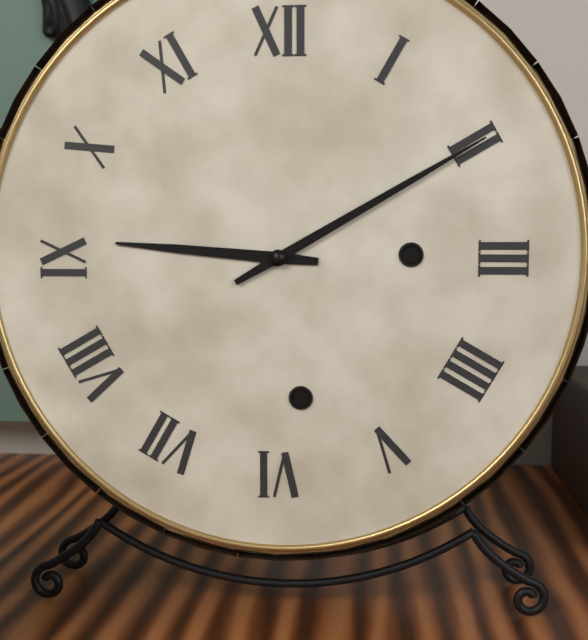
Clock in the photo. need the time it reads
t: 9:10
